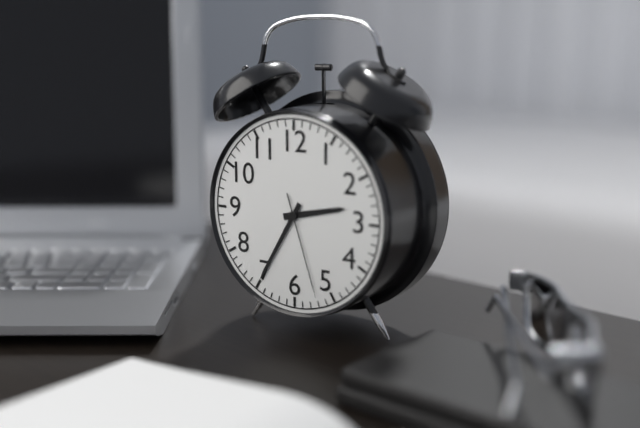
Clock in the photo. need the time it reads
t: 2:35:27
